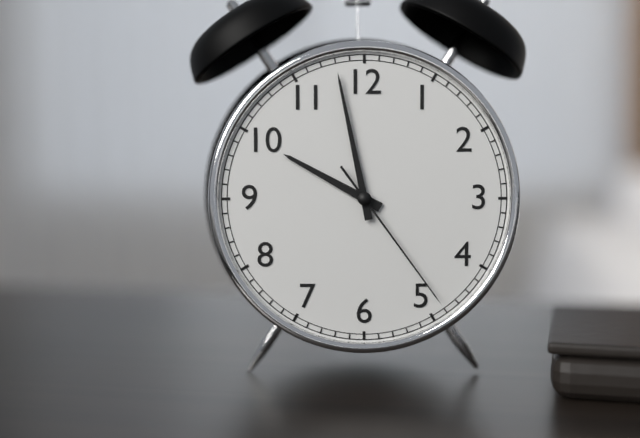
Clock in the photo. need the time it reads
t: 9:58:24
